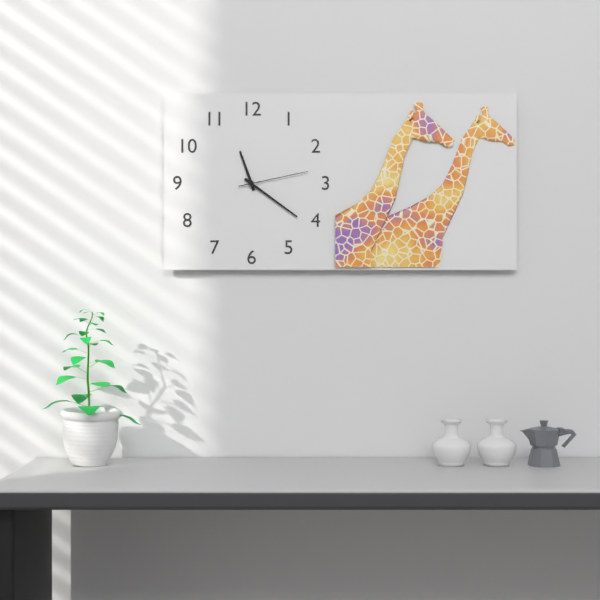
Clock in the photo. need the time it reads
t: 11:21:13
